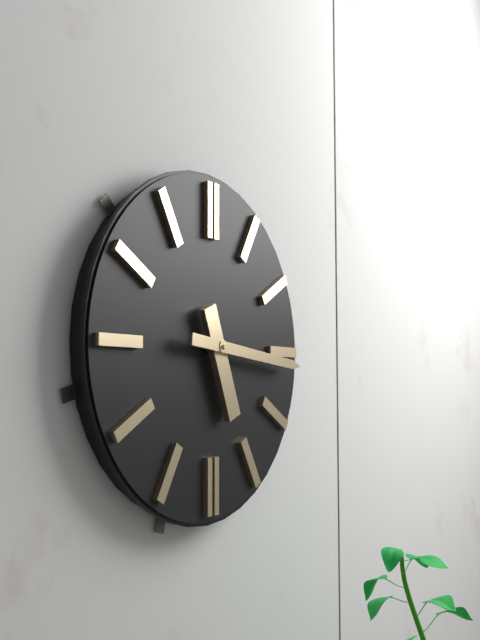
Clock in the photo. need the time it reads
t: 5:16
